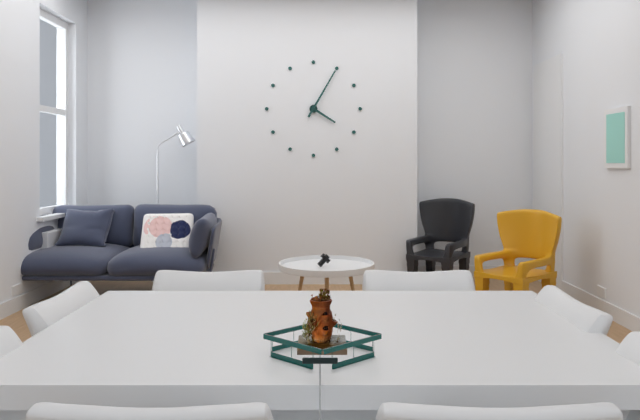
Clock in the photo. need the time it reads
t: 4:05
